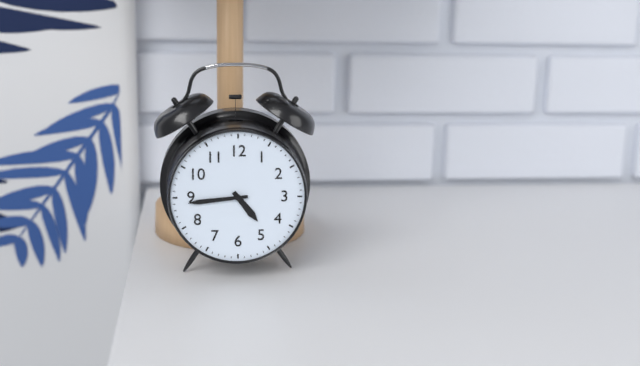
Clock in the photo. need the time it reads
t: 4:44
